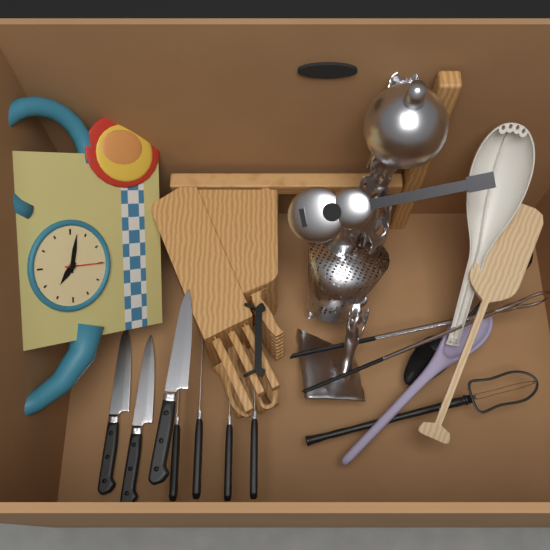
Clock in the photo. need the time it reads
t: 10:17
